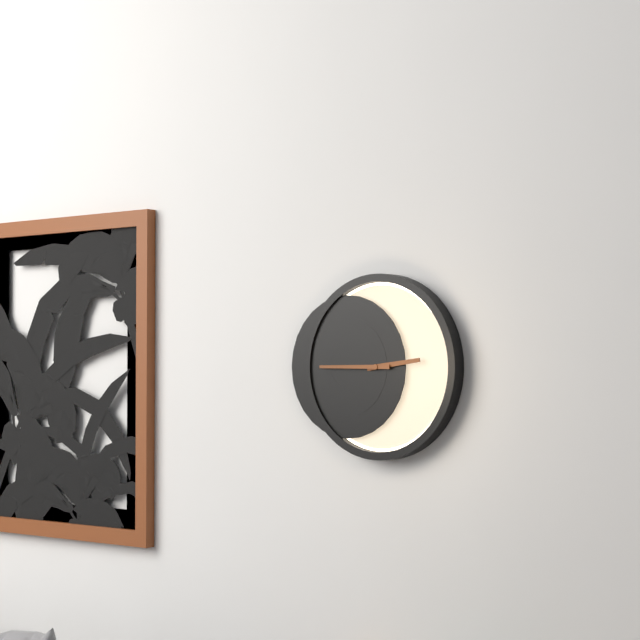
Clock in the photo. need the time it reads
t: 2:45
